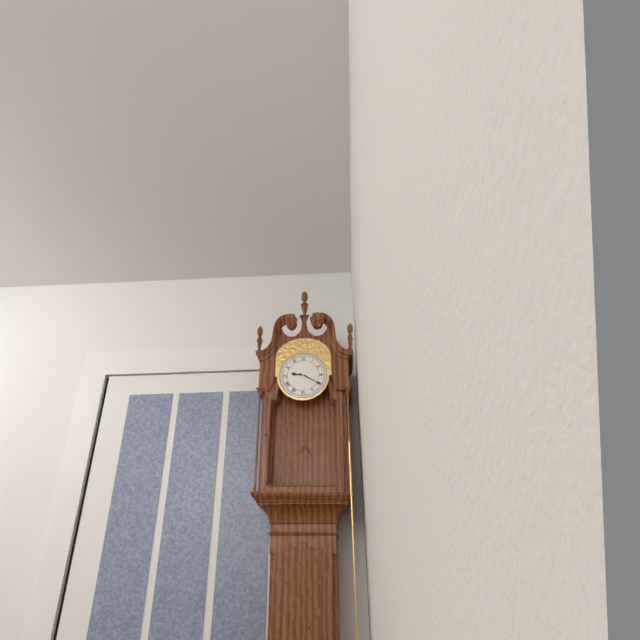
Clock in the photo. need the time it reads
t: 9:20
